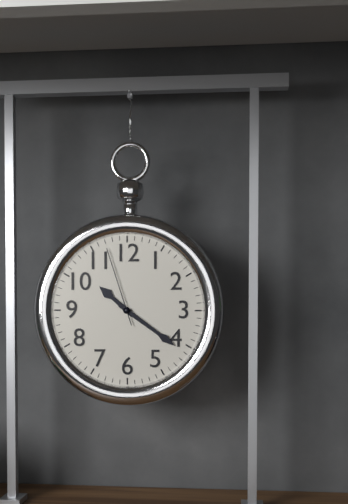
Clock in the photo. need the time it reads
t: 10:21:57
